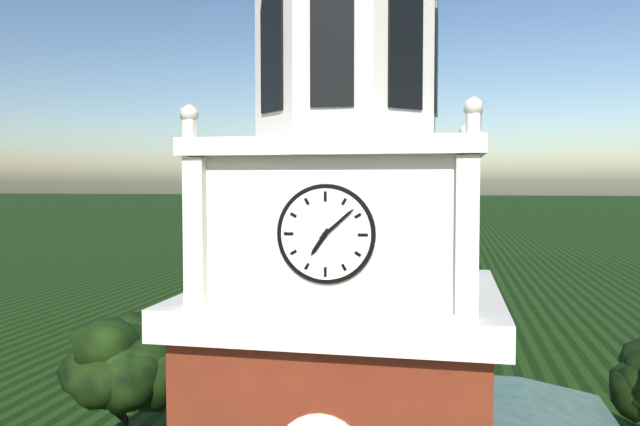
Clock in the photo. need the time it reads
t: 7:08
